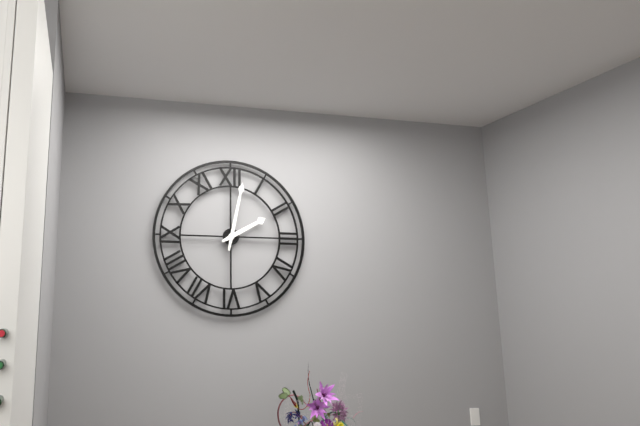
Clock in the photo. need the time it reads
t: 2:02
